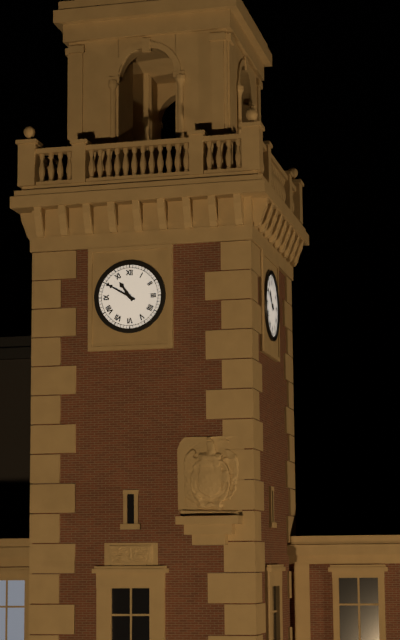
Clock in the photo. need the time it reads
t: 10:50
